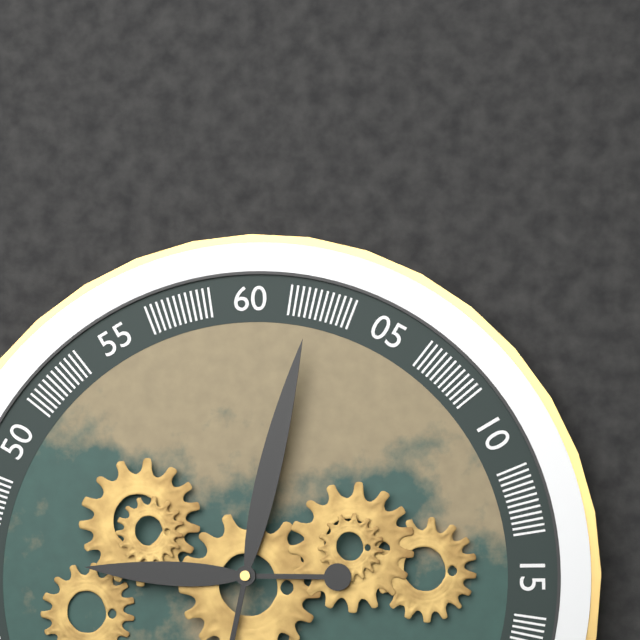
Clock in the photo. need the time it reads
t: 9:02
